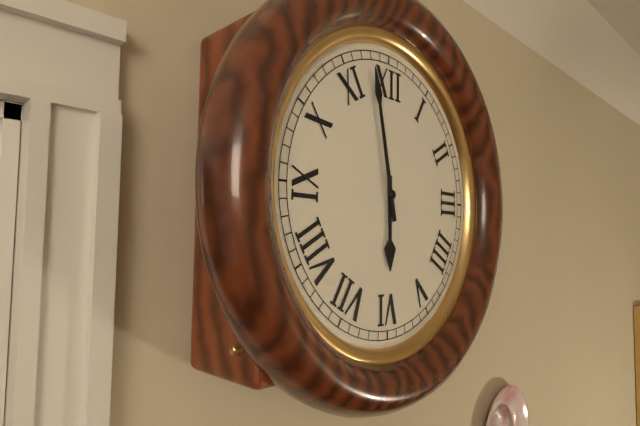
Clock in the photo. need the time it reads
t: 5:58
